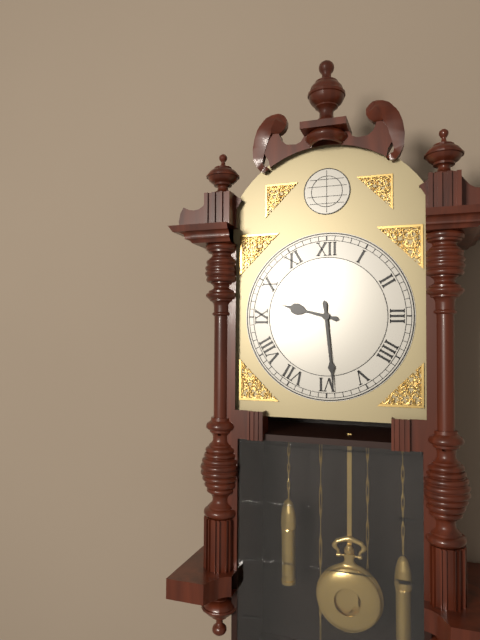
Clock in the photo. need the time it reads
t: 9:29
